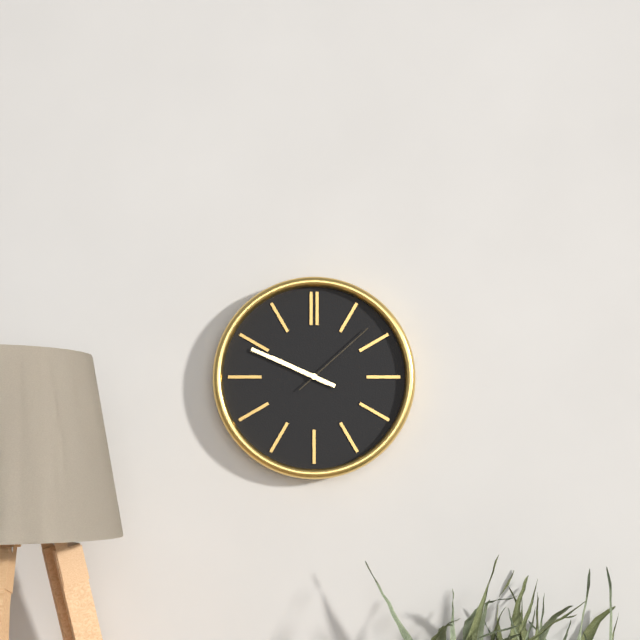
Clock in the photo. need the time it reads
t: 9:49:08
